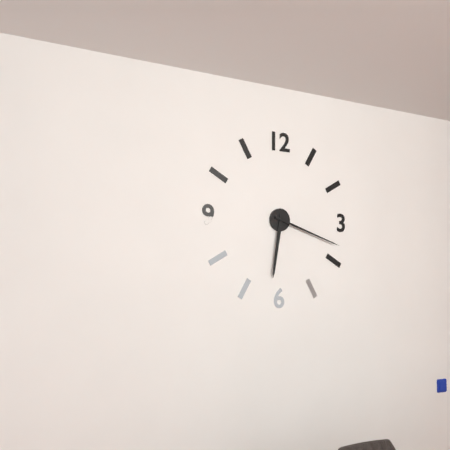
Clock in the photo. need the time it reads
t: 6:18
